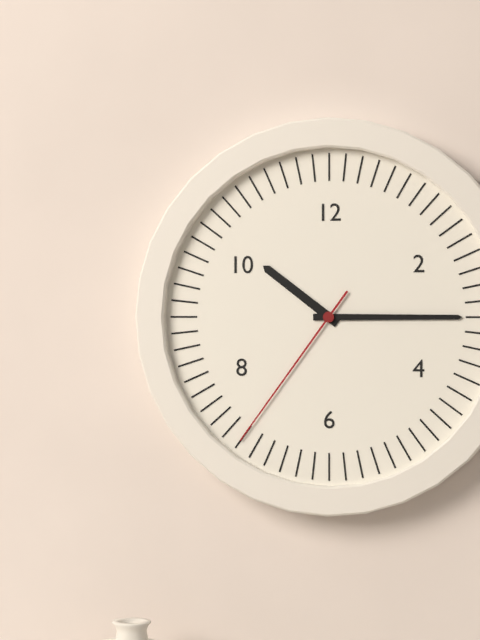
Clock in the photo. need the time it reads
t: 10:15:36
